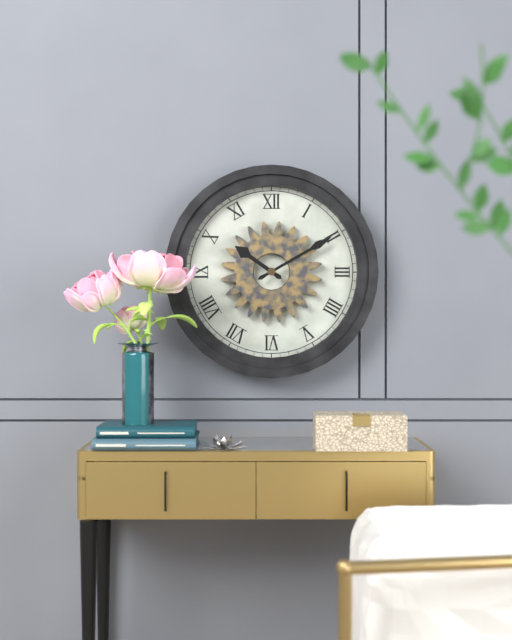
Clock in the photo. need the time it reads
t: 10:10
